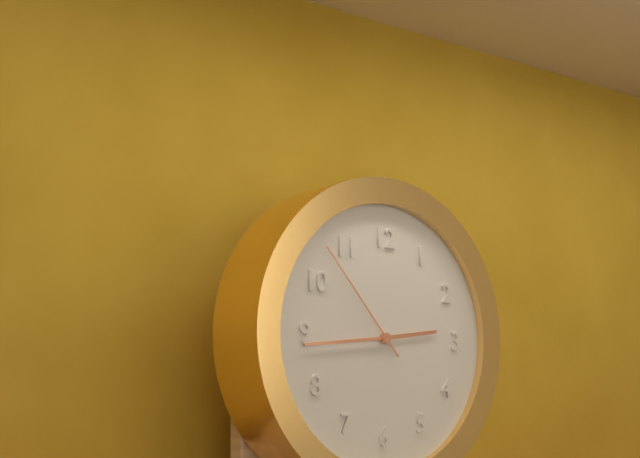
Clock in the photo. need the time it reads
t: 2:44:53
